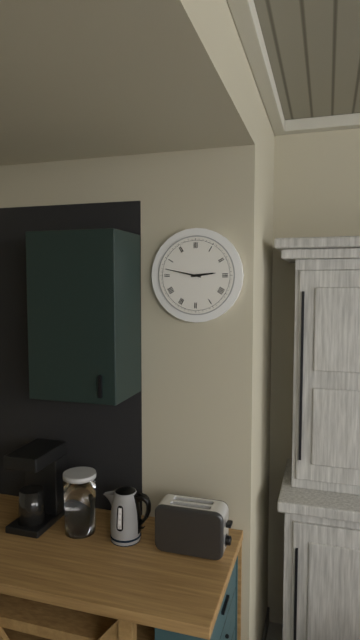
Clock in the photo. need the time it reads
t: 2:47
